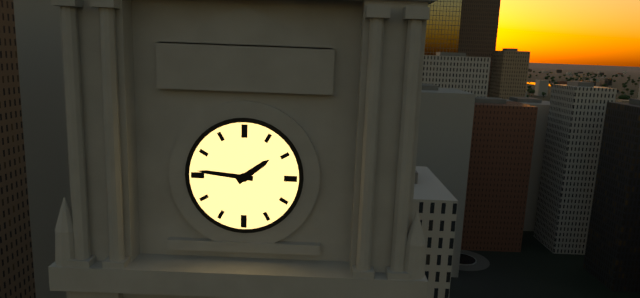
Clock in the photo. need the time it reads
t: 1:46
